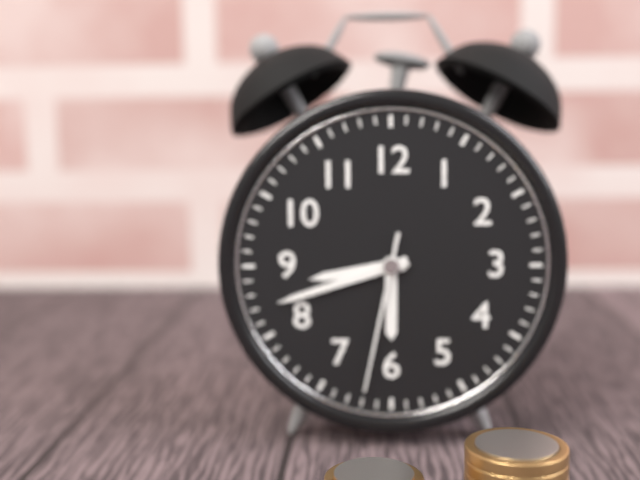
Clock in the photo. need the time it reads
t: 8:42:32
